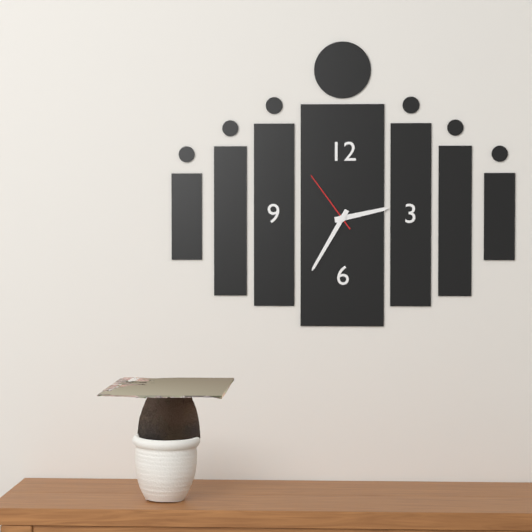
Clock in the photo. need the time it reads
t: 2:35:54
